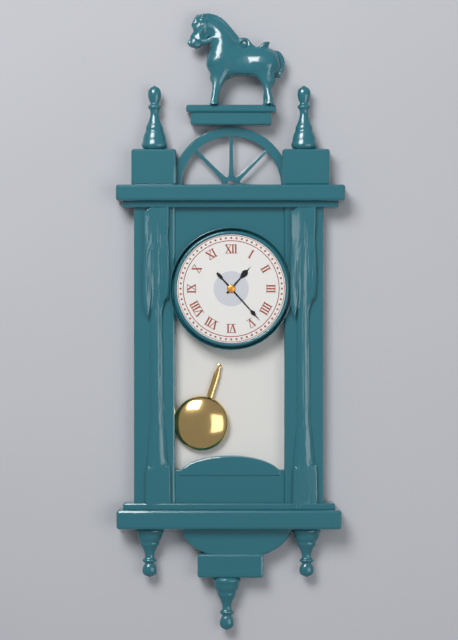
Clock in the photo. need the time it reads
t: 1:23
